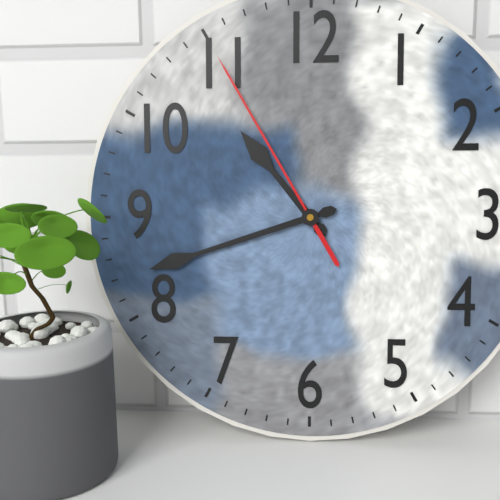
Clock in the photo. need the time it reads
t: 10:42:55
